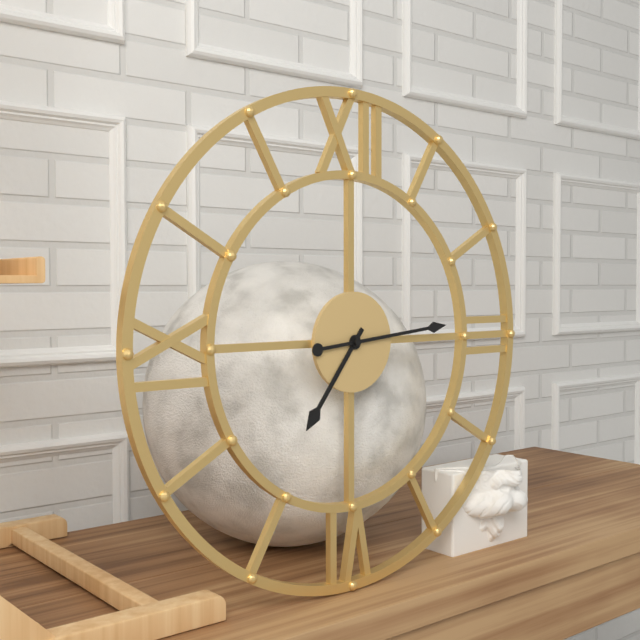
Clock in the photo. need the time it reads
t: 7:14
